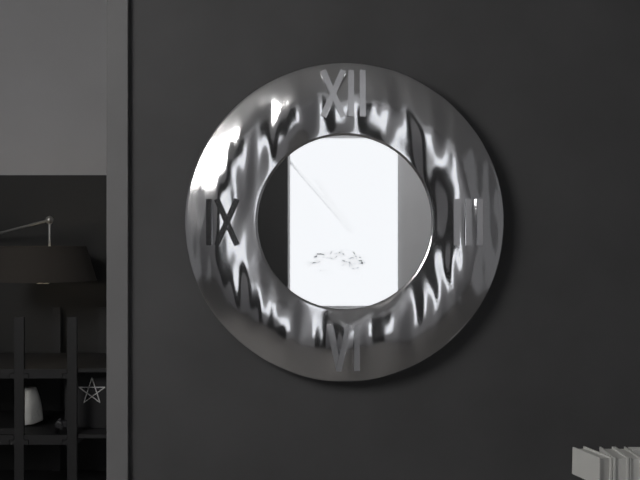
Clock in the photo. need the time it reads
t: 10:53
